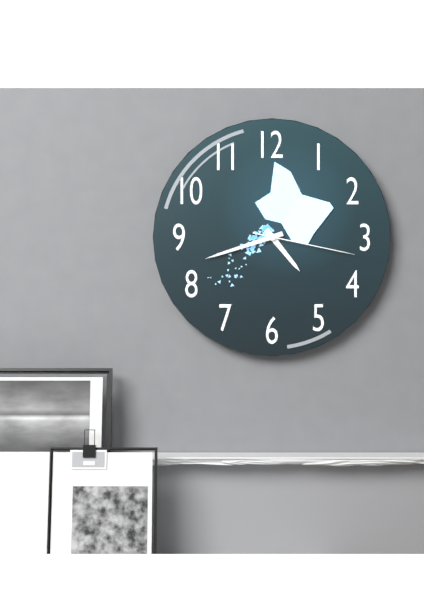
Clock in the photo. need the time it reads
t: 4:42:17
